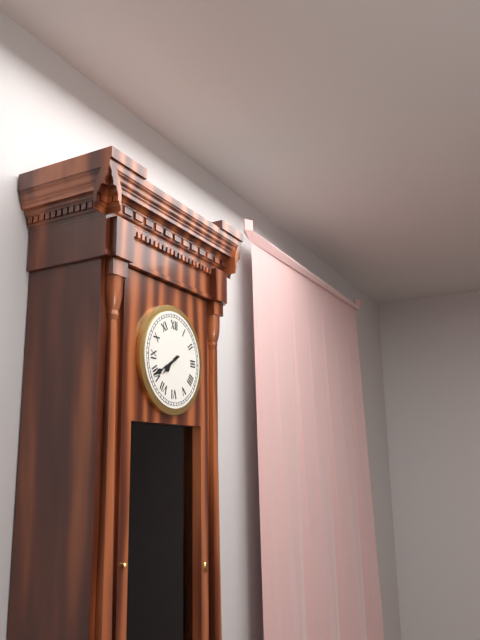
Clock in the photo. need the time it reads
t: 7:40
